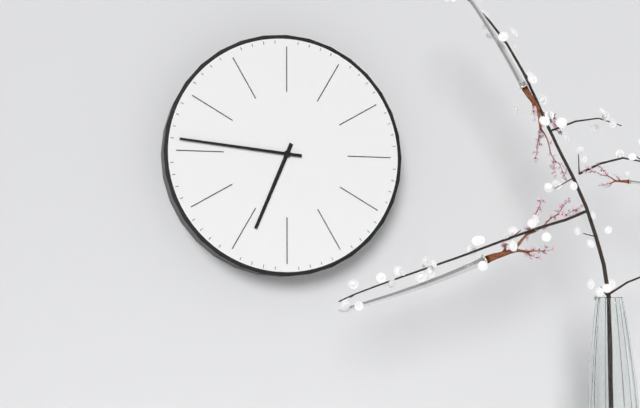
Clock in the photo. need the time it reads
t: 6:46
